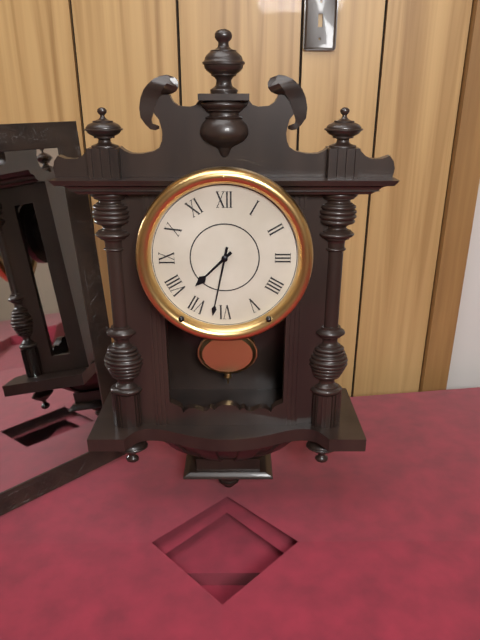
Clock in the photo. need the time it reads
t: 7:32
